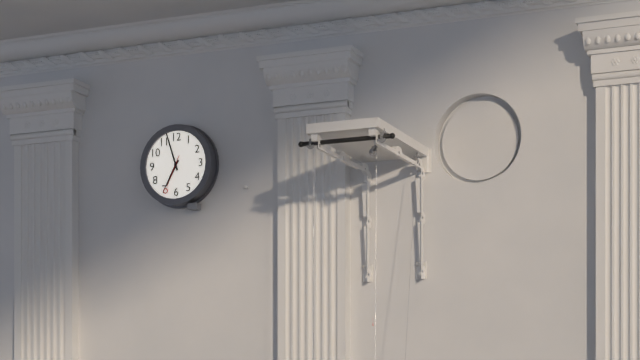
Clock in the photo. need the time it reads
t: 6:57
